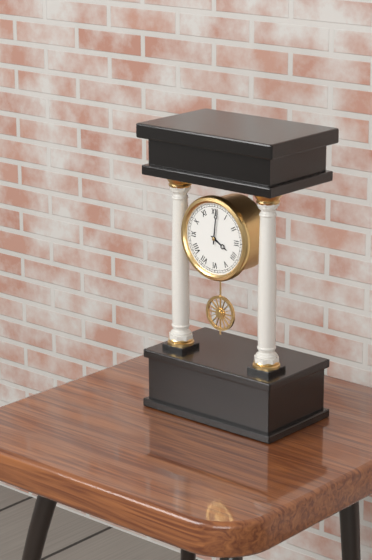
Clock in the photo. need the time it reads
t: 4:01
